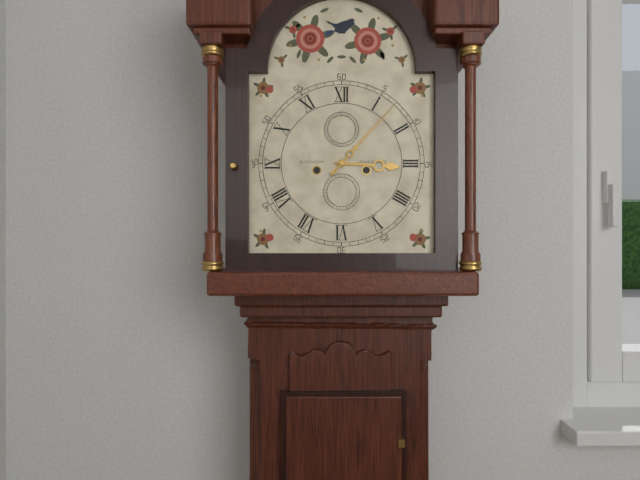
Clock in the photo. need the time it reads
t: 3:07
